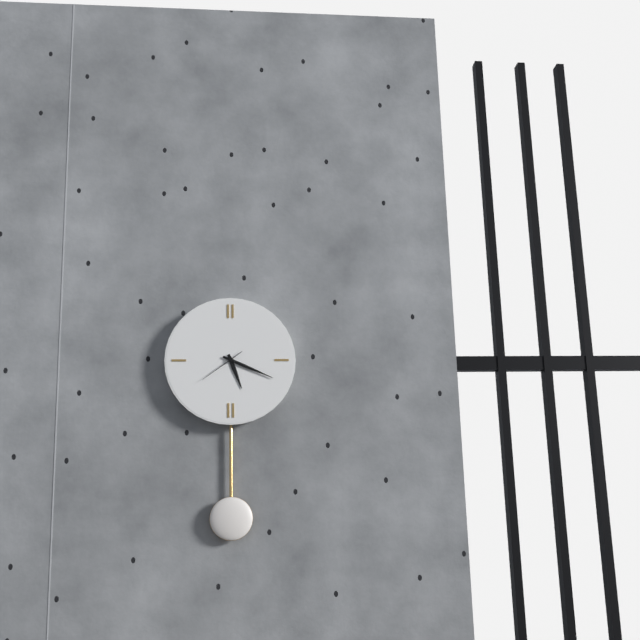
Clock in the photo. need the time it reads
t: 5:19
